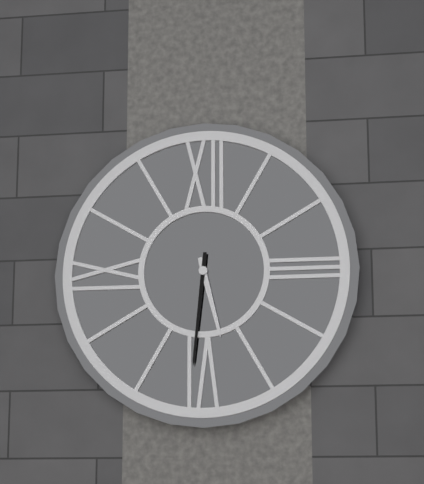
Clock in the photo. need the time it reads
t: 5:31
